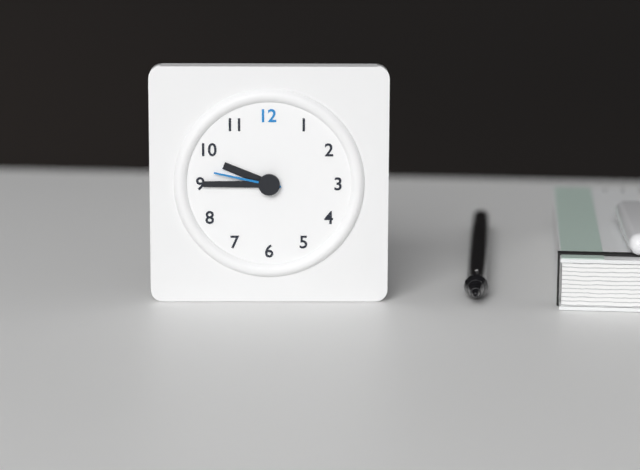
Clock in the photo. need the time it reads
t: 9:45:47
